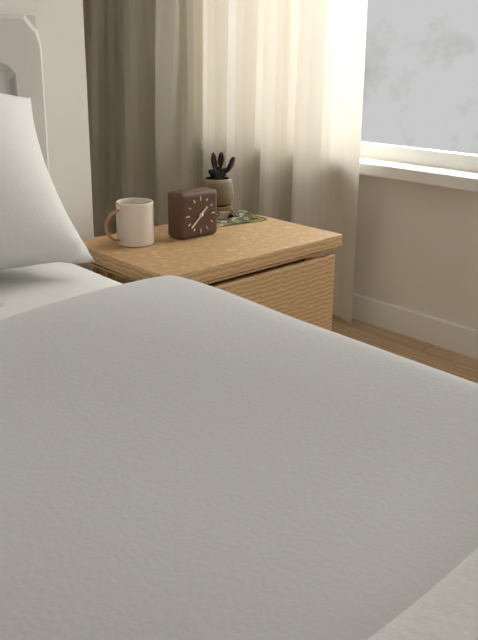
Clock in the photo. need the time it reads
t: 1:38
